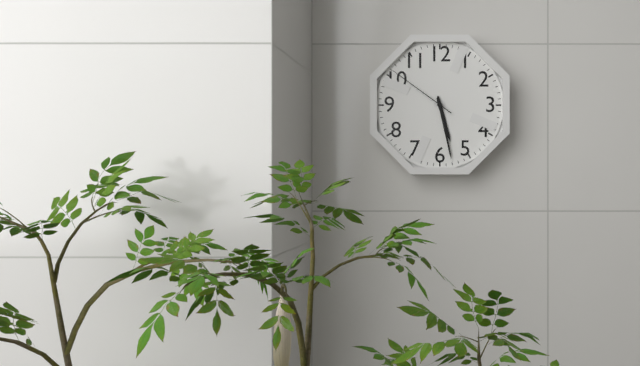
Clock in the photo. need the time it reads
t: 5:28:51
